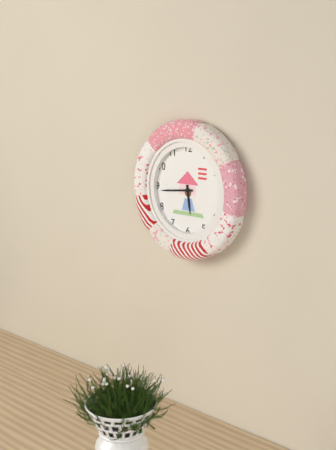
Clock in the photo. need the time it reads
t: 5:44
